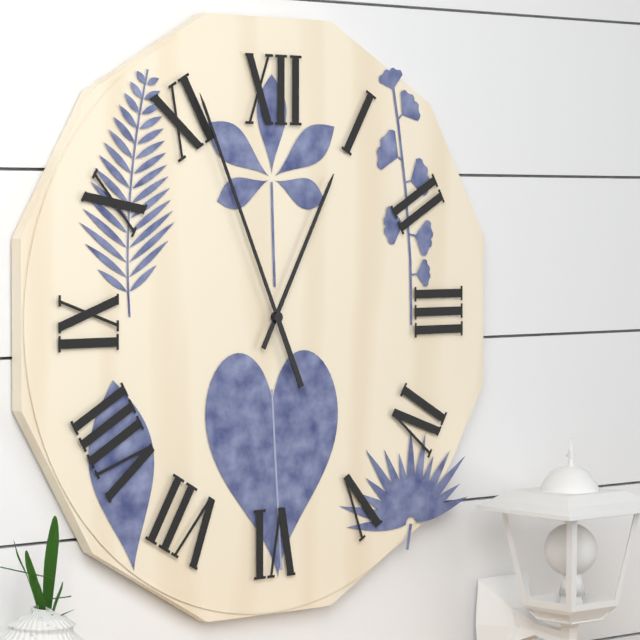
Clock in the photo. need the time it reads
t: 12:56
